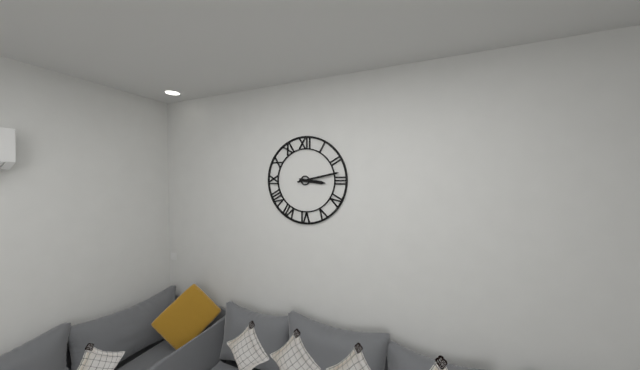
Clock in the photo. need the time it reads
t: 3:13
